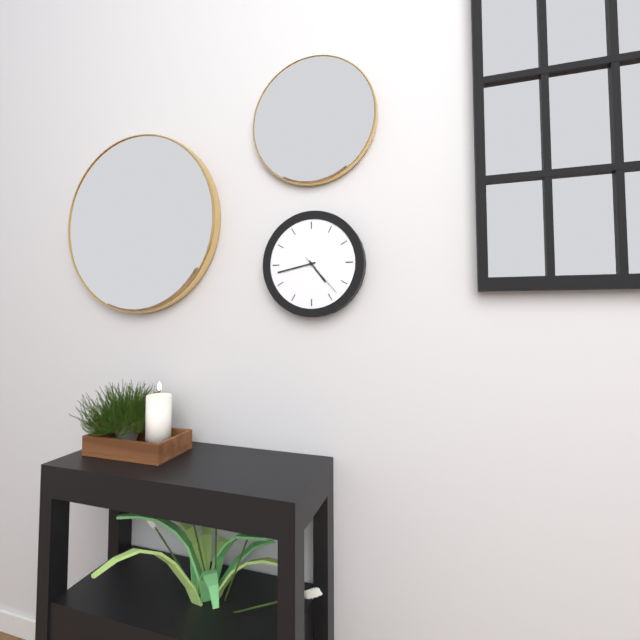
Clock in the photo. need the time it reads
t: 4:43
